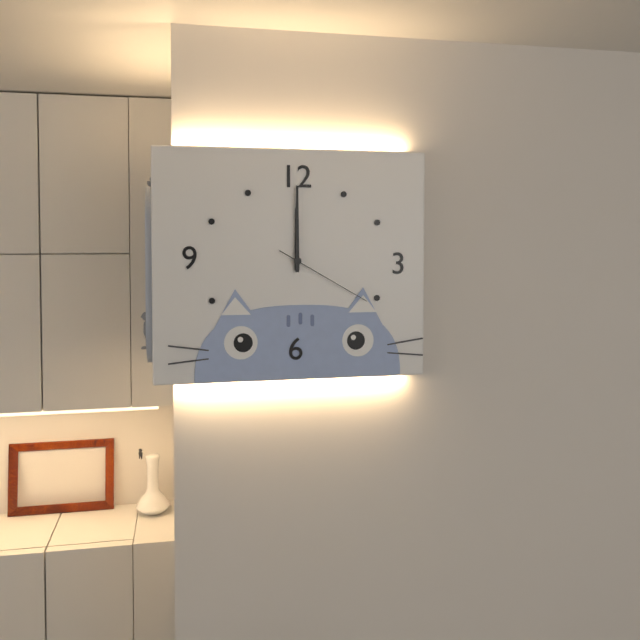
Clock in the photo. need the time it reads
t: 12:00:20
